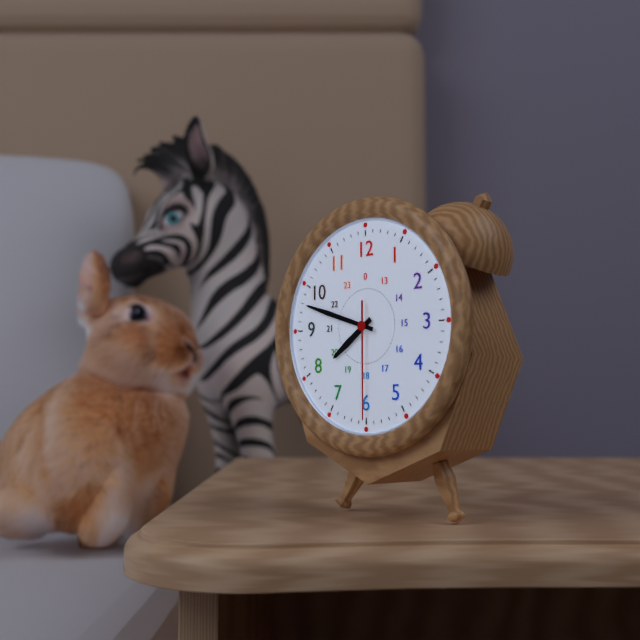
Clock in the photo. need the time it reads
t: 7:48:30
